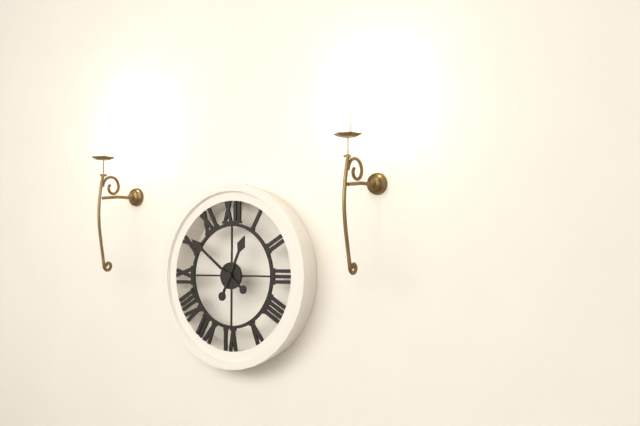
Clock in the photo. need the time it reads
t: 12:51
